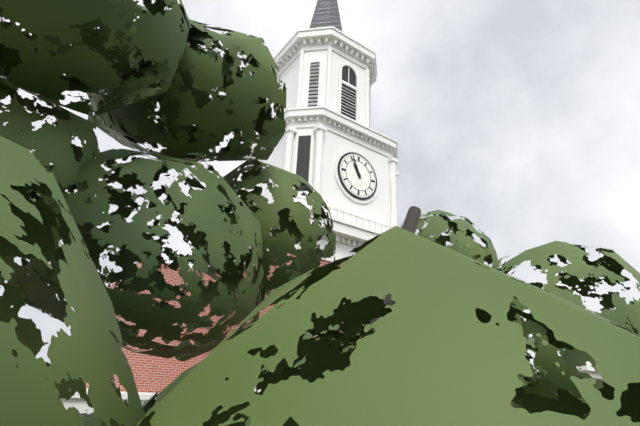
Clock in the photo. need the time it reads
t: 10:56
